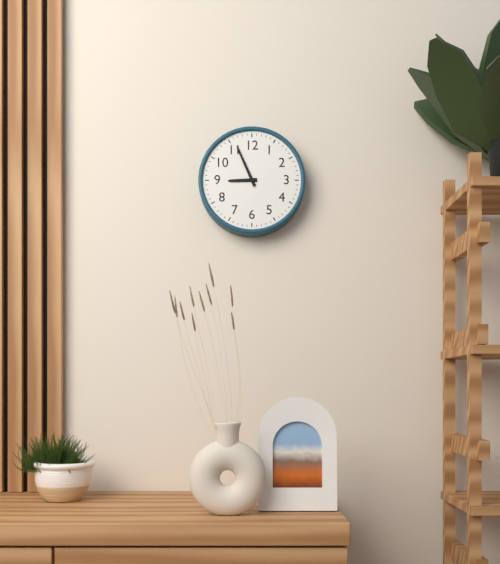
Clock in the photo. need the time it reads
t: 8:56
